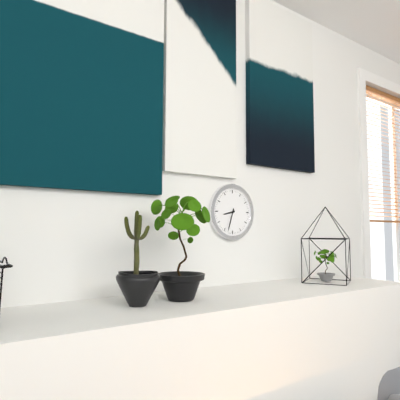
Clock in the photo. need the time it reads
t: 8:33
